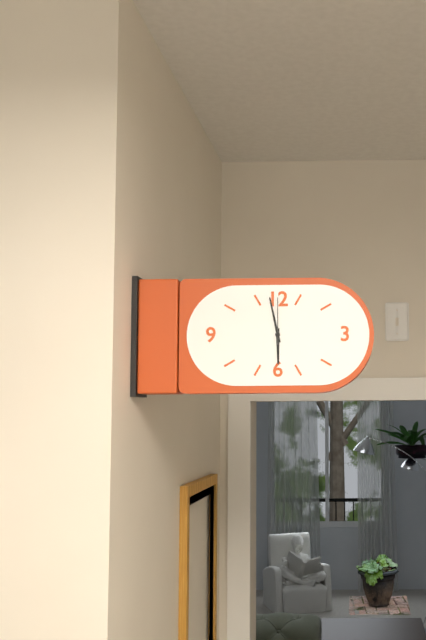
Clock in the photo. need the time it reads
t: 5:58
